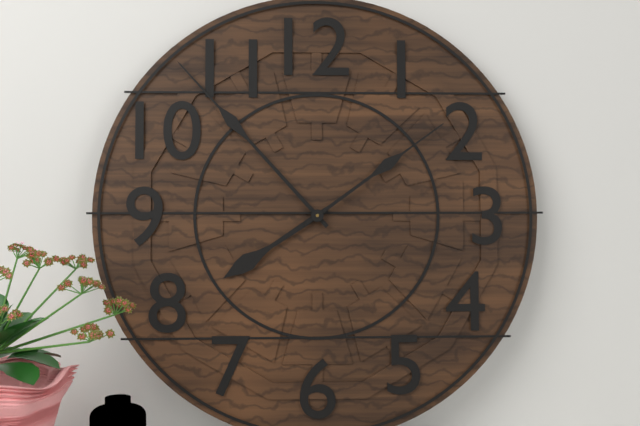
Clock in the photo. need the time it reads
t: 7:53:09
